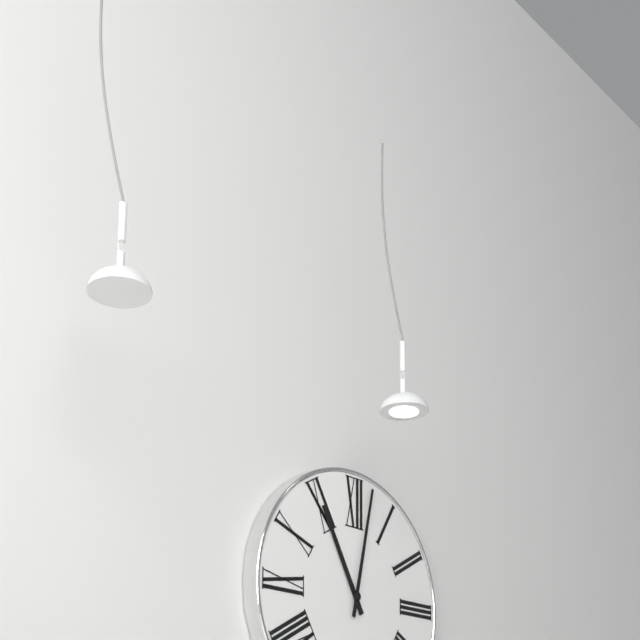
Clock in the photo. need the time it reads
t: 11:02
